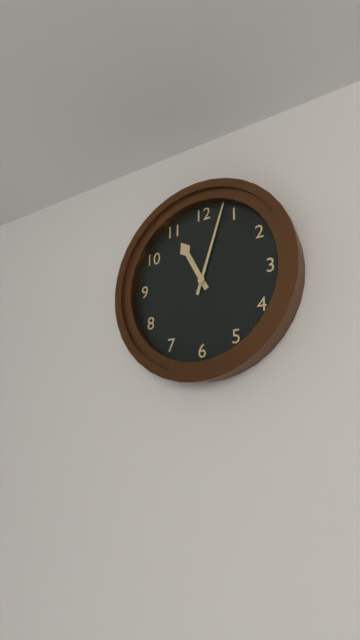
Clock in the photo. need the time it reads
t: 11:03
